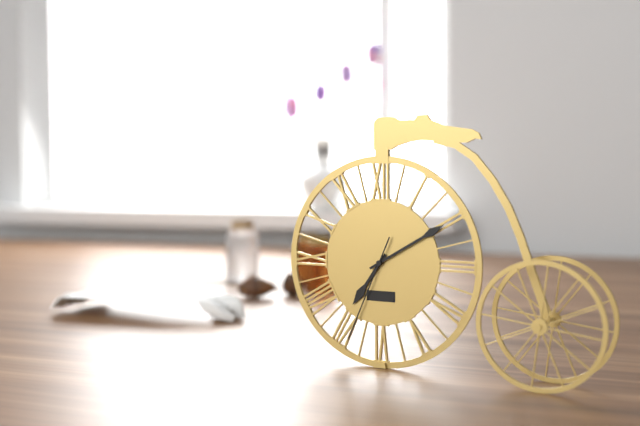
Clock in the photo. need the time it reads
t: 7:10:34
